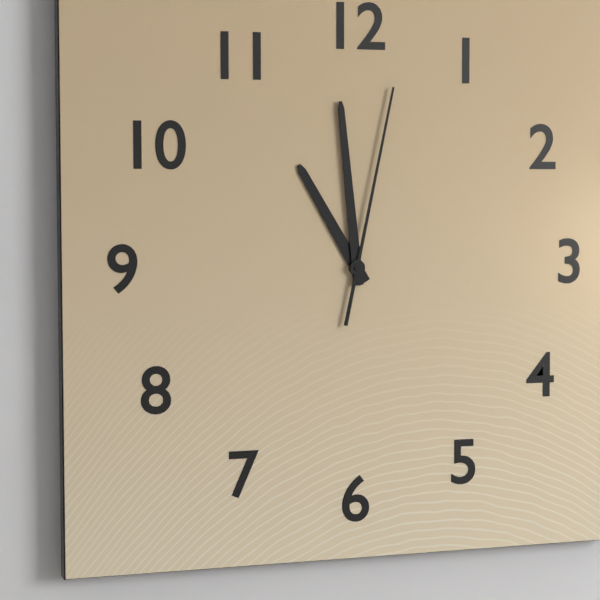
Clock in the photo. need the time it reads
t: 10:59:02
